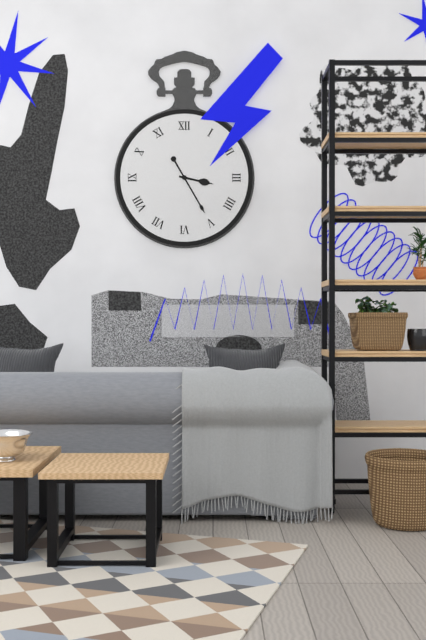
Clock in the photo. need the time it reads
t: 3:25
